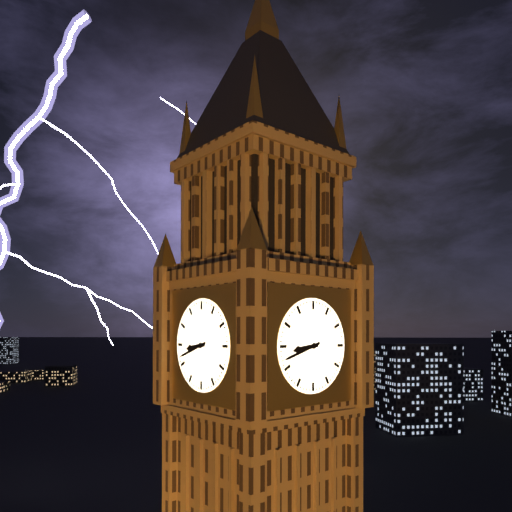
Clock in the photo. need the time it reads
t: 8:42
